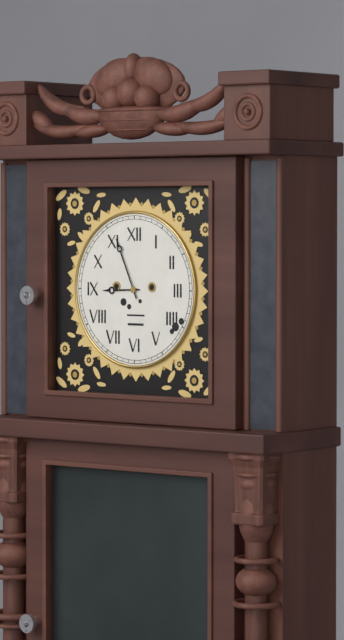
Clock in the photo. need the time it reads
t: 8:56
